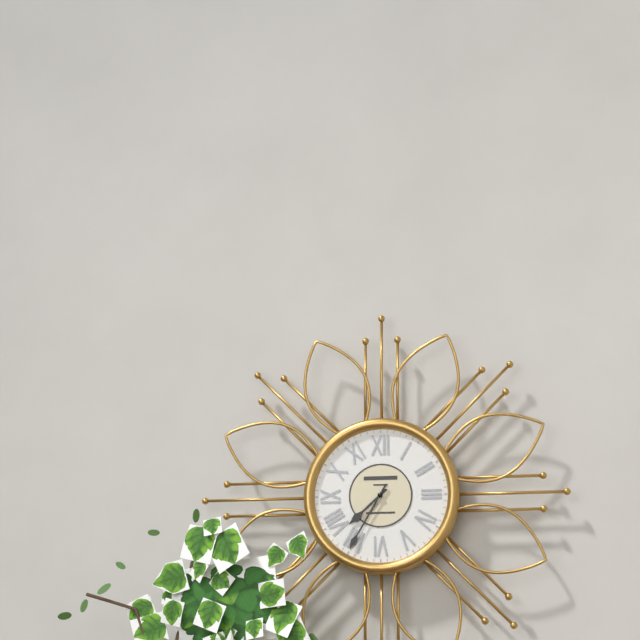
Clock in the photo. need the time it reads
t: 7:35
